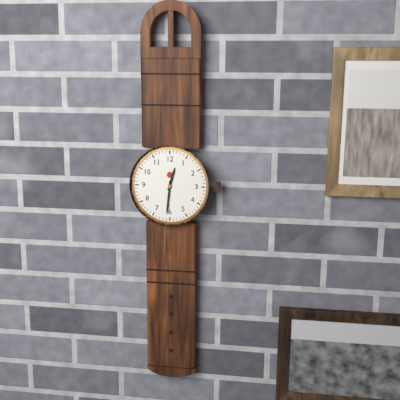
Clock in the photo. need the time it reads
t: 12:31
